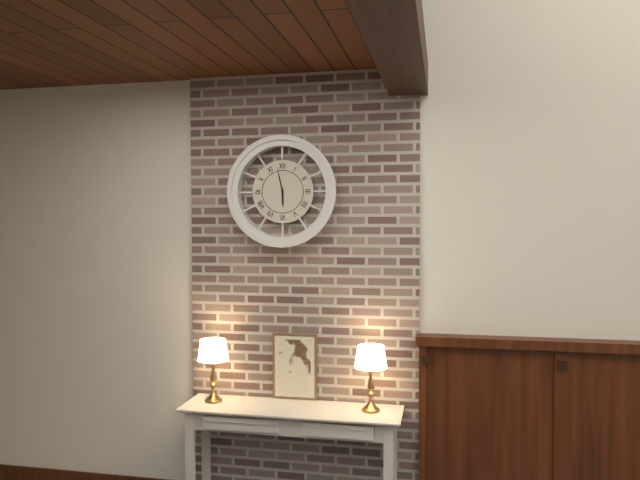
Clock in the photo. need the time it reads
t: 5:58
